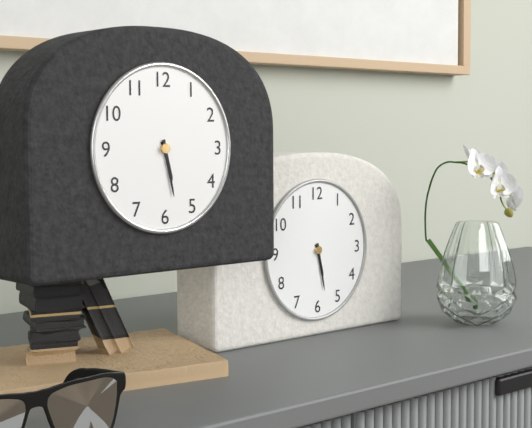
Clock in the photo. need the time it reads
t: 5:28
